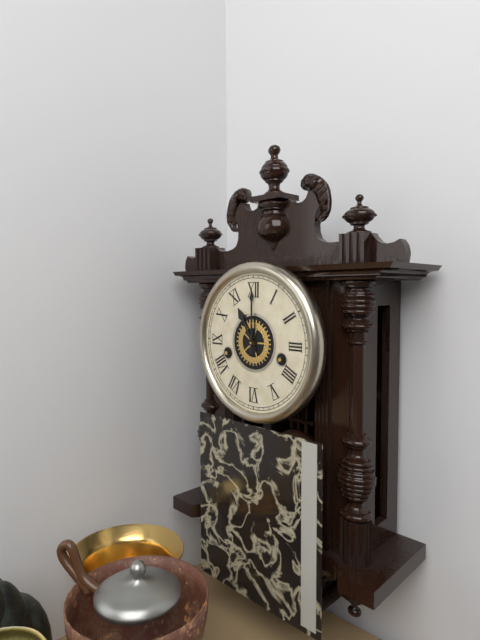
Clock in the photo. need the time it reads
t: 11:00
